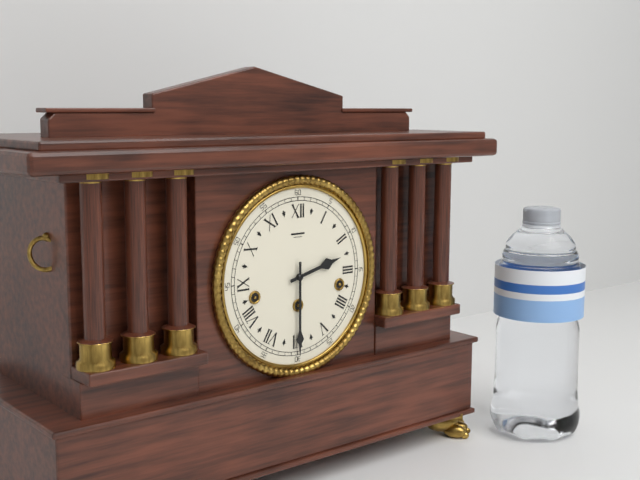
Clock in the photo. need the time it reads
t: 2:30
